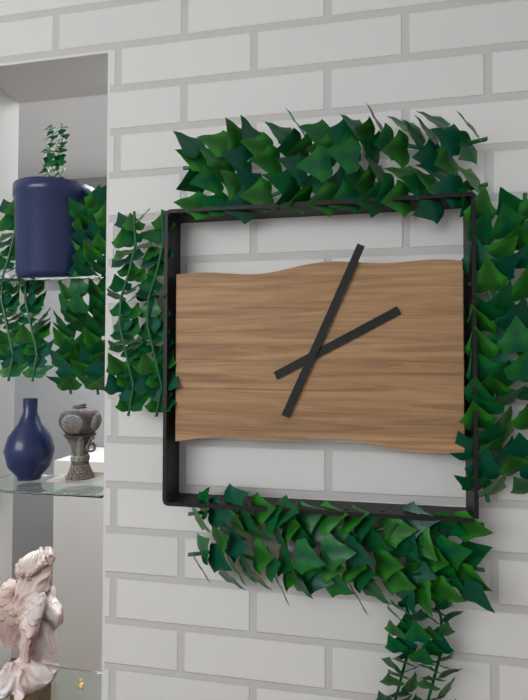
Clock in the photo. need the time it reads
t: 2:04
